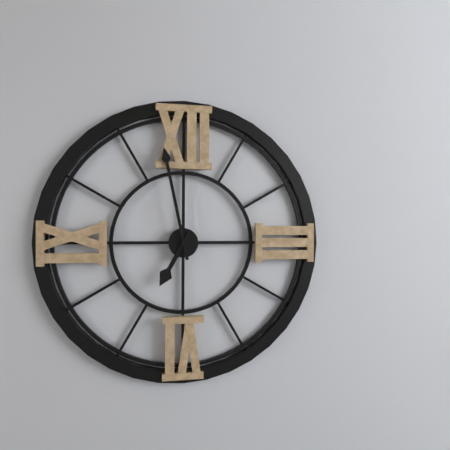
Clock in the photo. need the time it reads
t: 6:58
